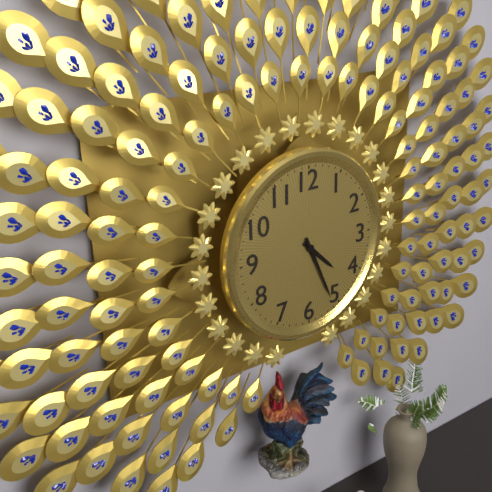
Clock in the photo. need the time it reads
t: 4:26
